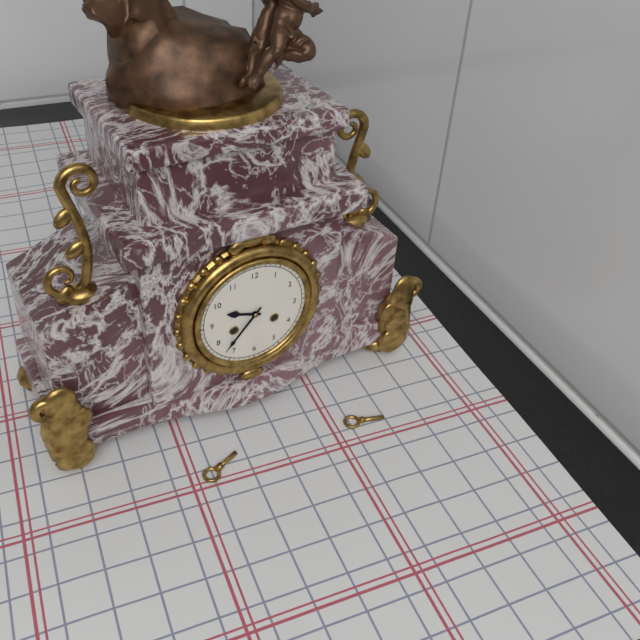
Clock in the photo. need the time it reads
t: 9:37
